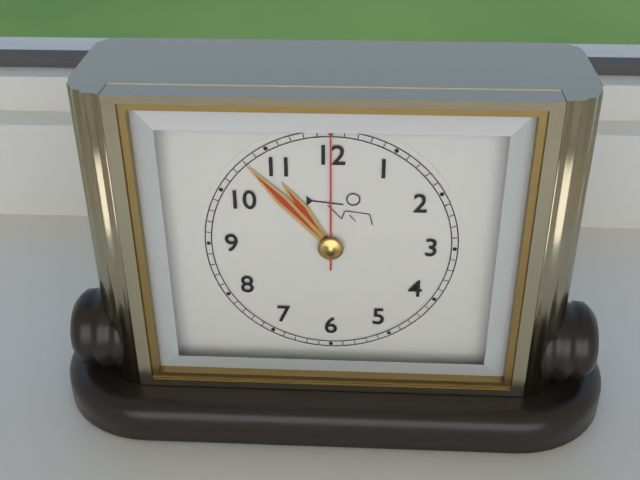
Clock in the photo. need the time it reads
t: 10:53:00
